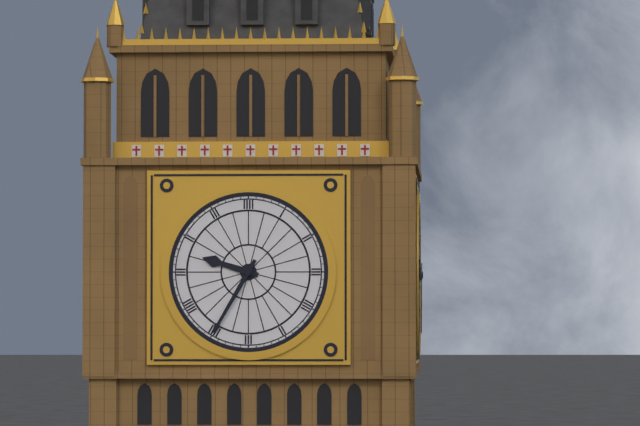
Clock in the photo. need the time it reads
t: 9:35
